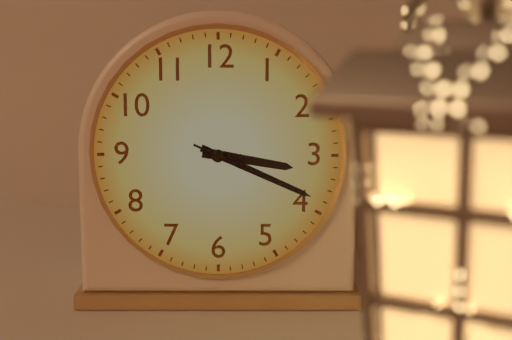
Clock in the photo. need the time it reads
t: 3:19:19
